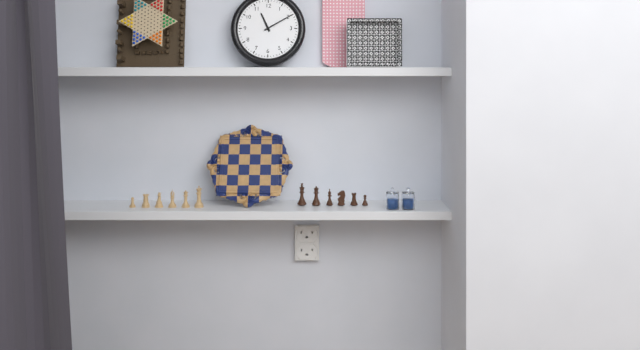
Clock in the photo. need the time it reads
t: 11:10
